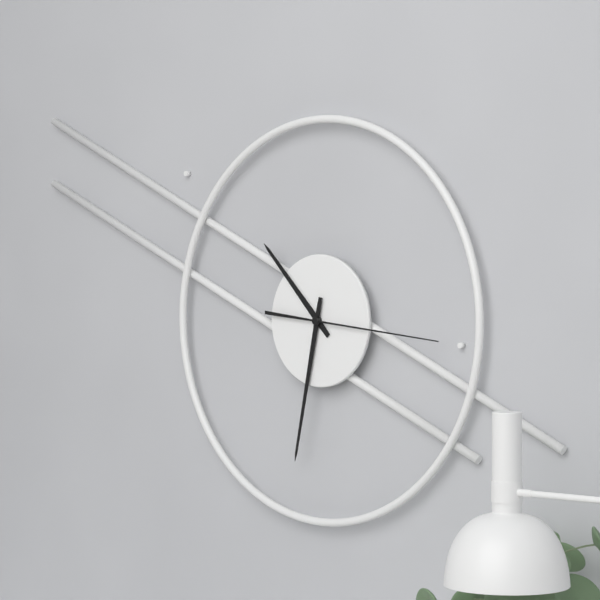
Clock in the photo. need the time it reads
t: 10:32:16
